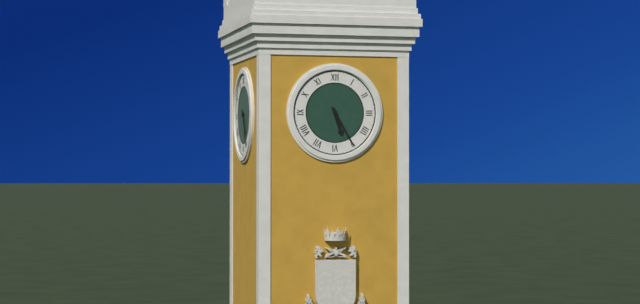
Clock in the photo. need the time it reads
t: 5:25
